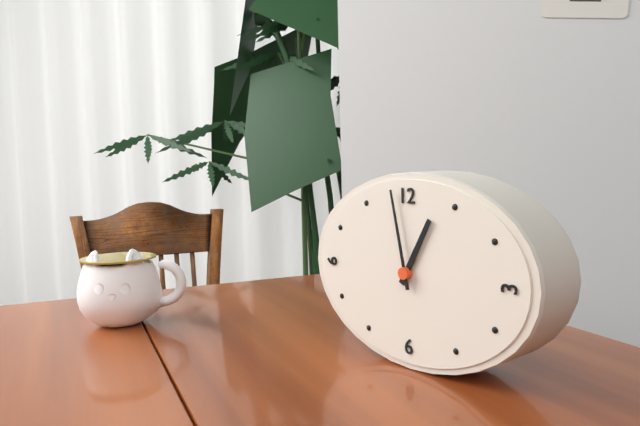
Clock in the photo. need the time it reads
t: 12:58
